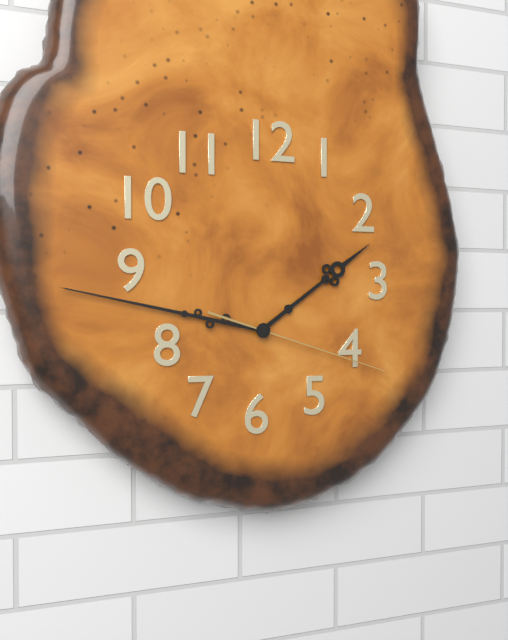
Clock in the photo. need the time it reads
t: 1:47:18
